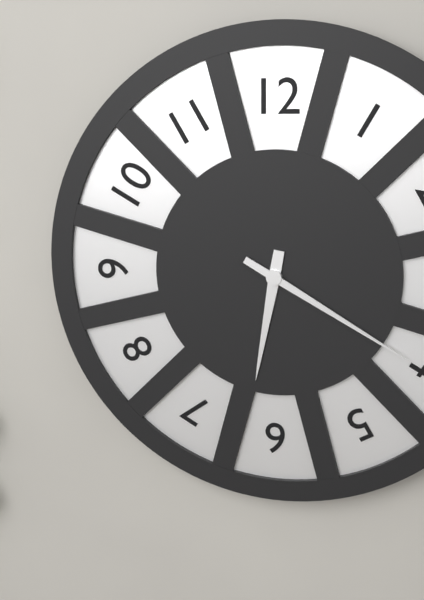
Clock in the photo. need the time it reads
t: 6:20
